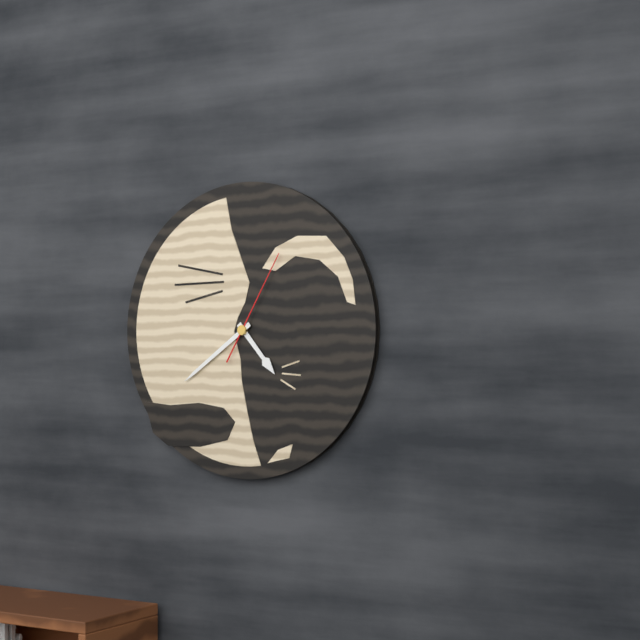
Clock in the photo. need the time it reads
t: 4:39:05
